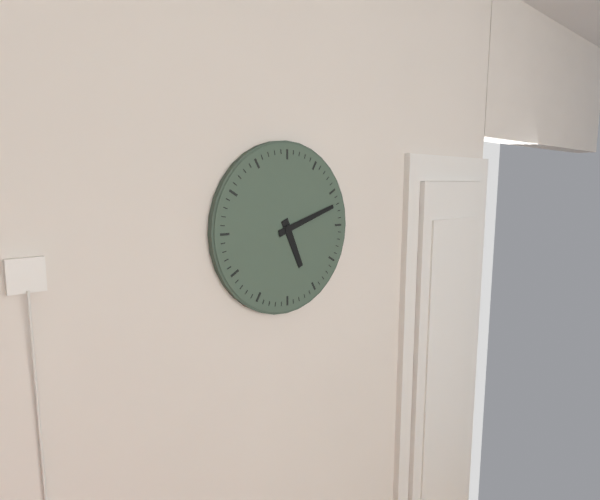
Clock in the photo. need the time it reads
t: 5:12
